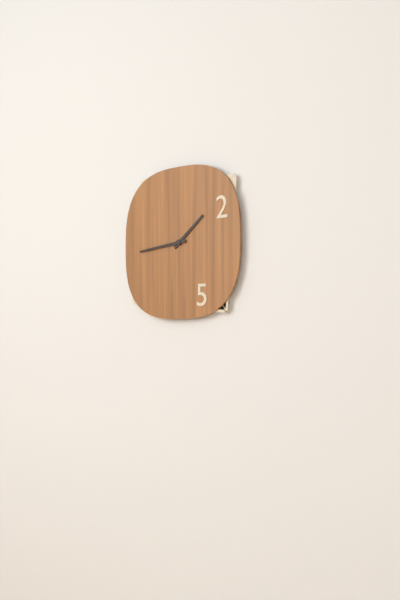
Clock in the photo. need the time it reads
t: 1:44
